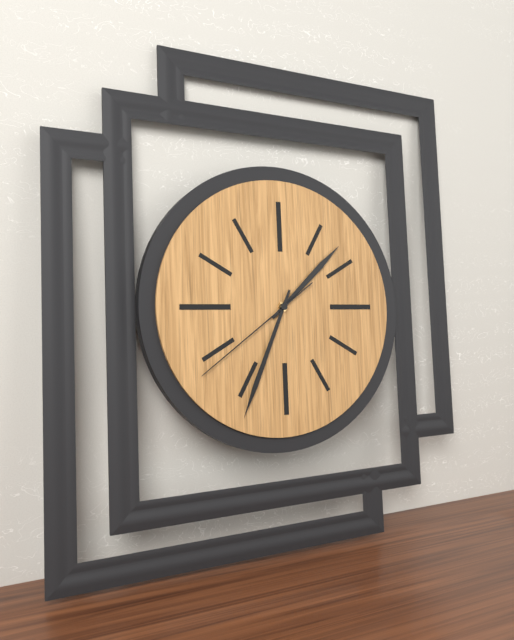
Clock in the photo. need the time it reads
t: 1:34:39
